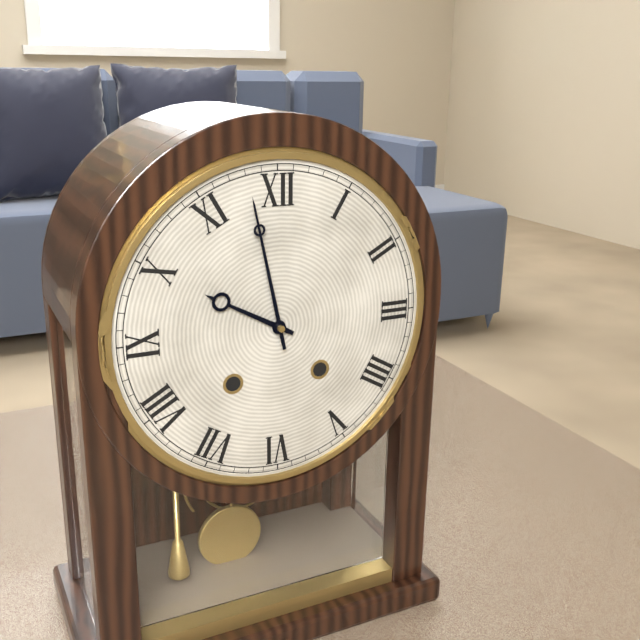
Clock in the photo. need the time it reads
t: 9:58
